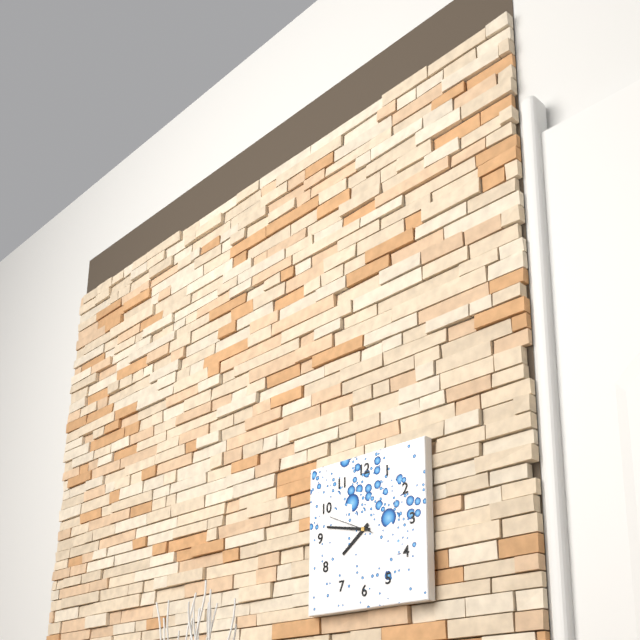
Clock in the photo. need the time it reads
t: 7:47
